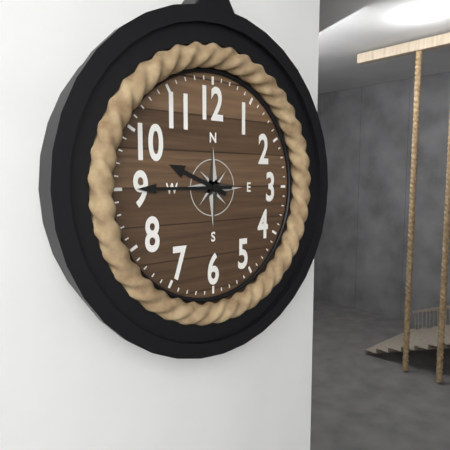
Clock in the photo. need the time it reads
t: 9:45
